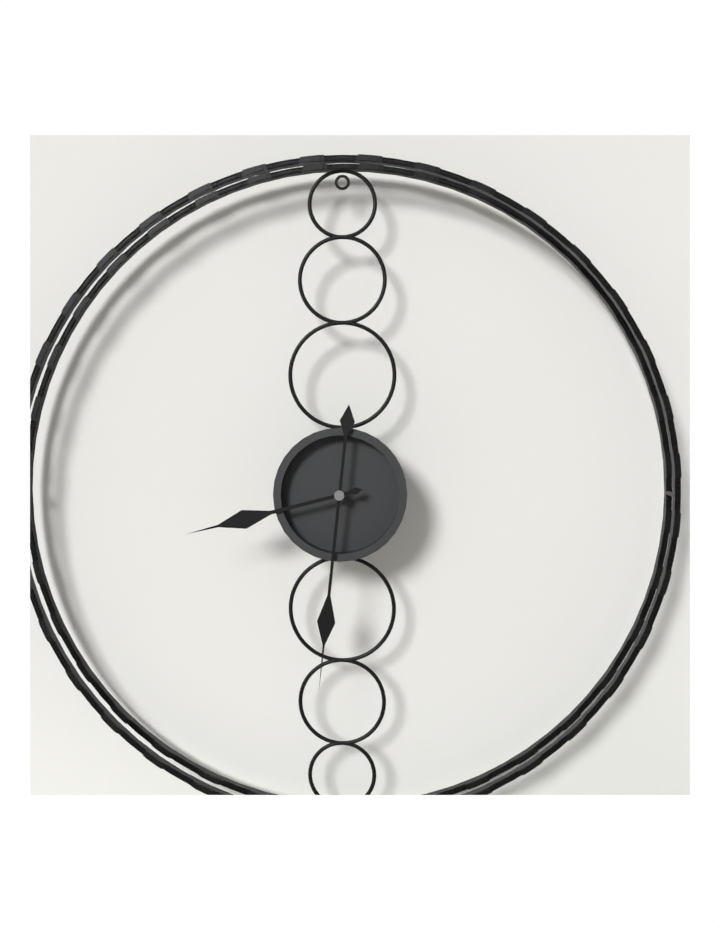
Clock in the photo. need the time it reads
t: 8:31
